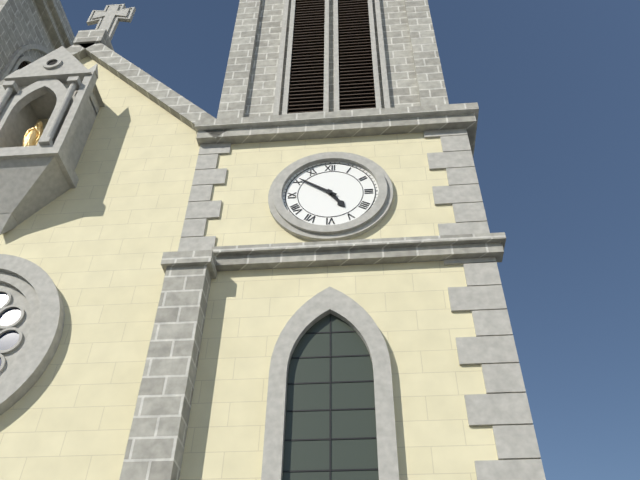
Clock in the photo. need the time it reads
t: 4:51
